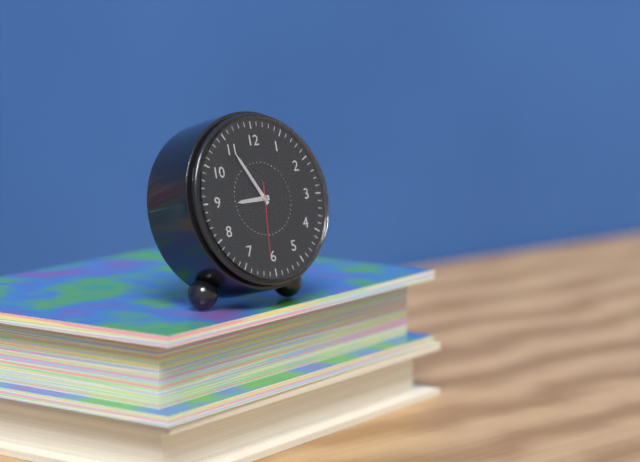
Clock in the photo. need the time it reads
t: 8:55:31
